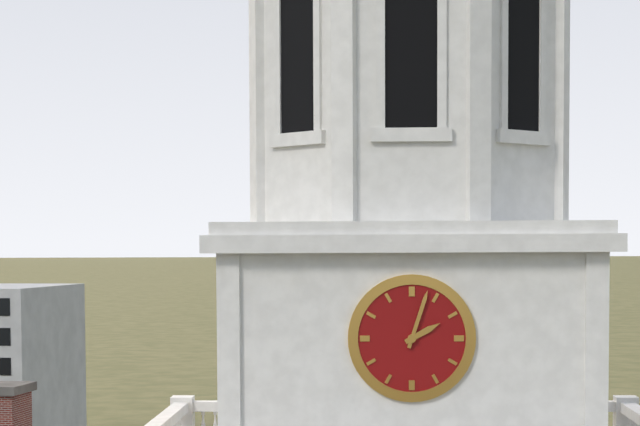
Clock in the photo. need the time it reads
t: 2:03
